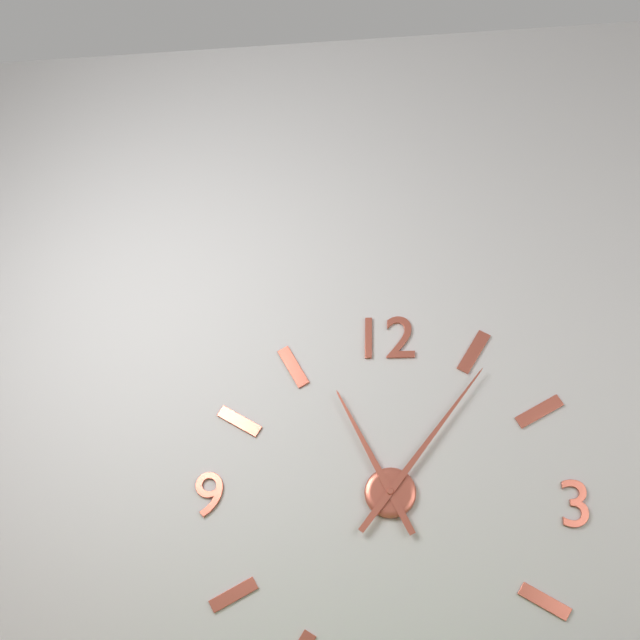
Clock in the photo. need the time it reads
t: 11:06
